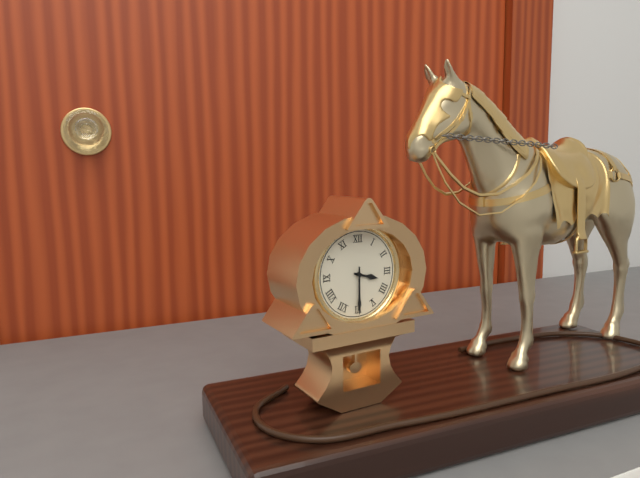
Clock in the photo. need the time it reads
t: 3:30
